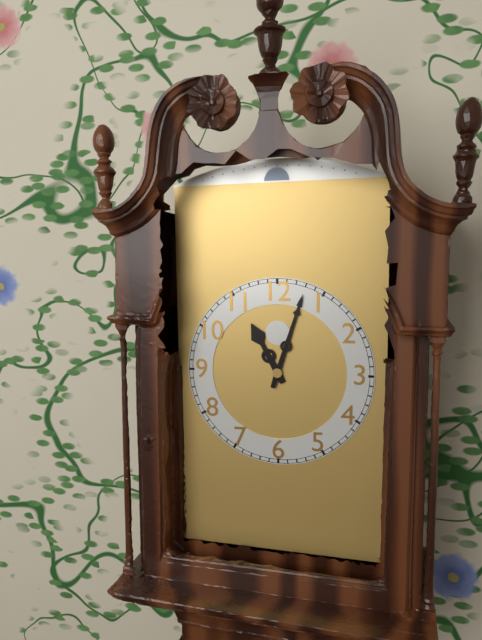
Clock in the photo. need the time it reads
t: 11:03
